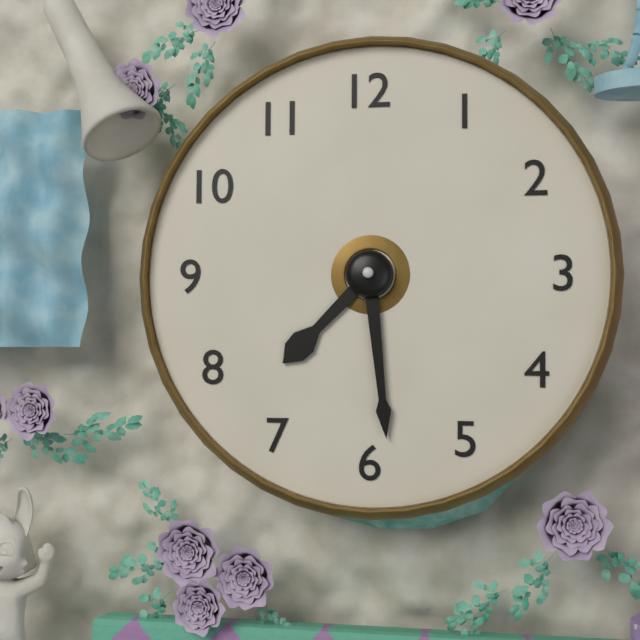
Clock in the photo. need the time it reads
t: 7:29
